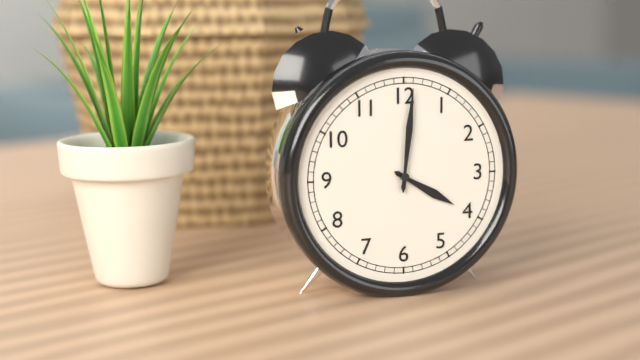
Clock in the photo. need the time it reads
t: 4:01
